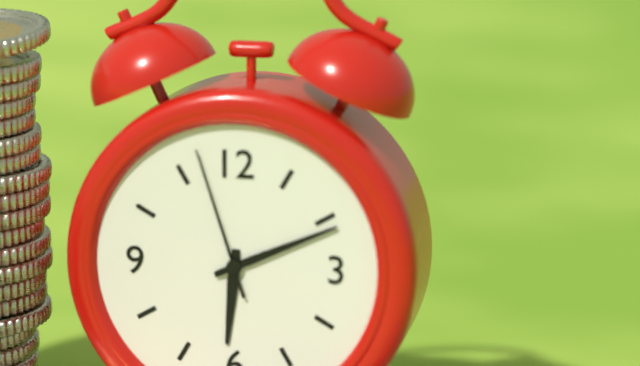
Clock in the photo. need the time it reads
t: 6:11:57
